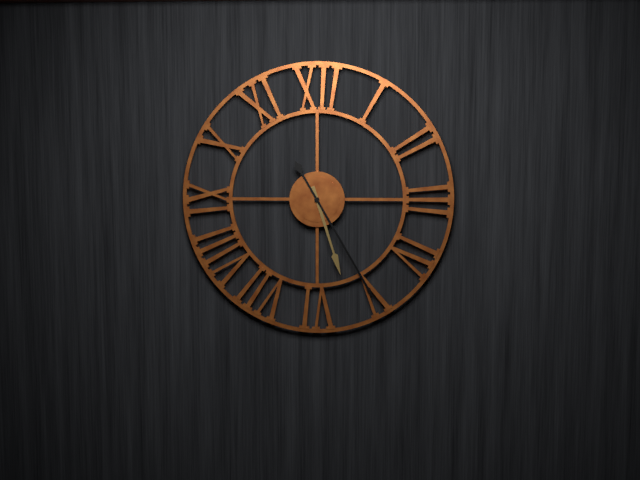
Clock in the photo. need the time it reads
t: 5:25
